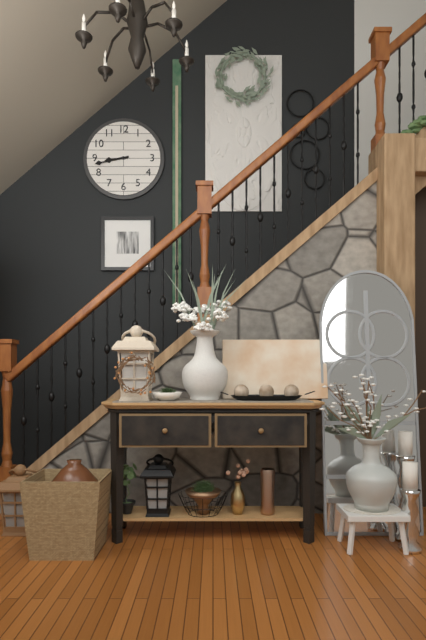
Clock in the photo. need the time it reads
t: 8:43
